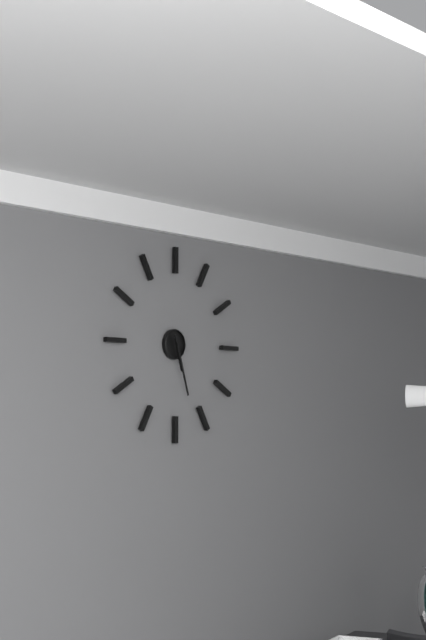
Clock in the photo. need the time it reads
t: 5:27
